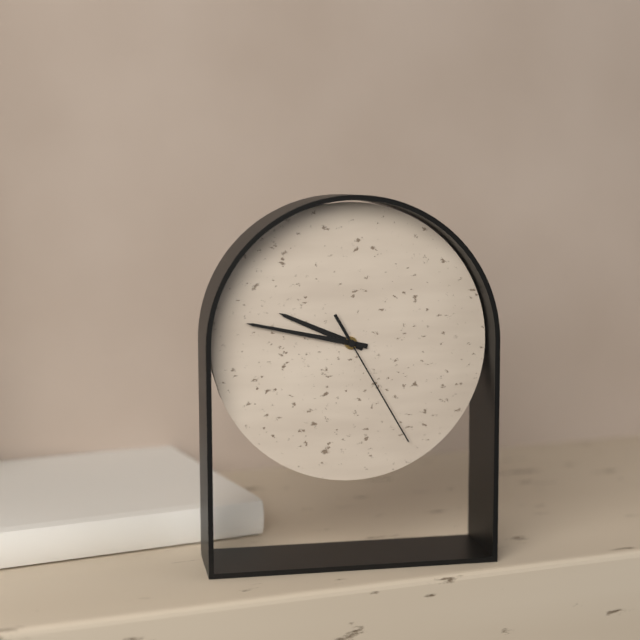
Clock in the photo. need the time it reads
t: 9:47:25
